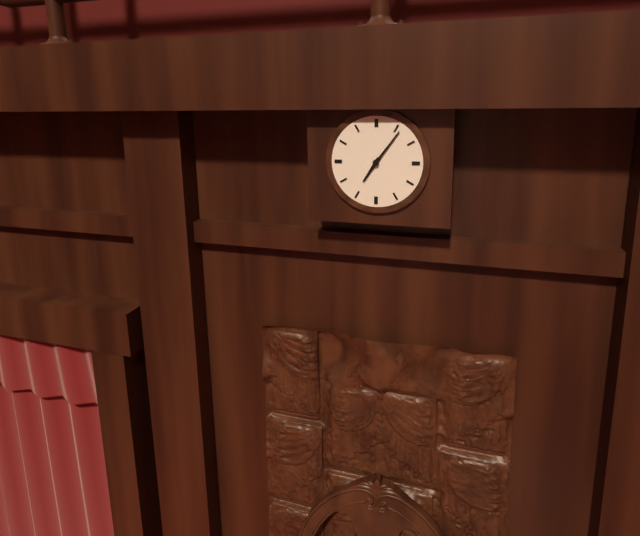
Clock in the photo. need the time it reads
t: 7:06
